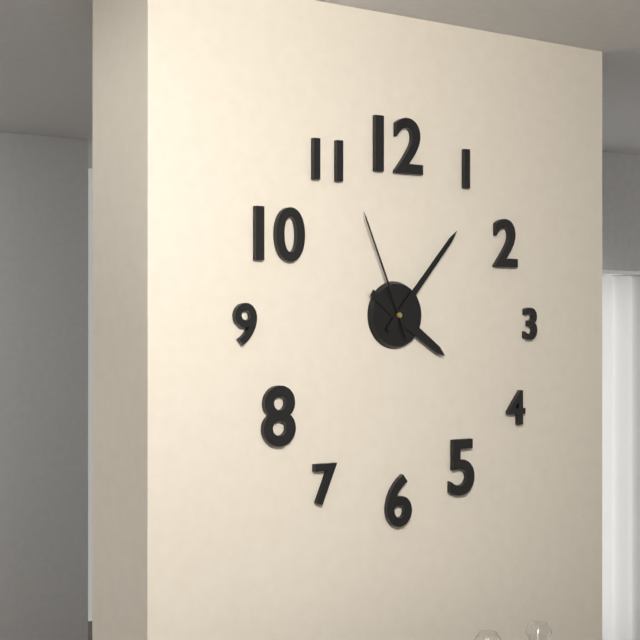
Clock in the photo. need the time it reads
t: 4:07:56
